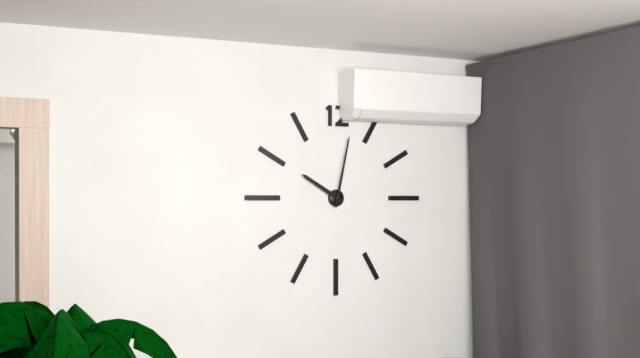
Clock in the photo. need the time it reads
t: 10:02
